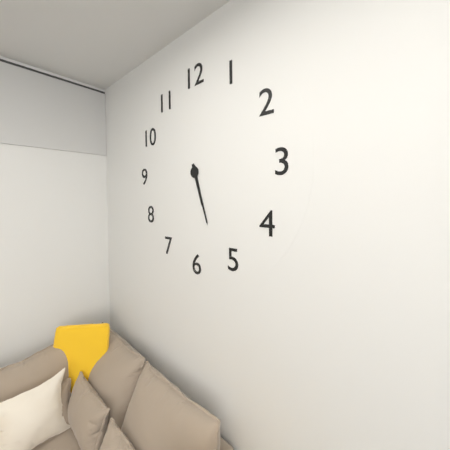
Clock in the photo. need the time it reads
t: 5:27
